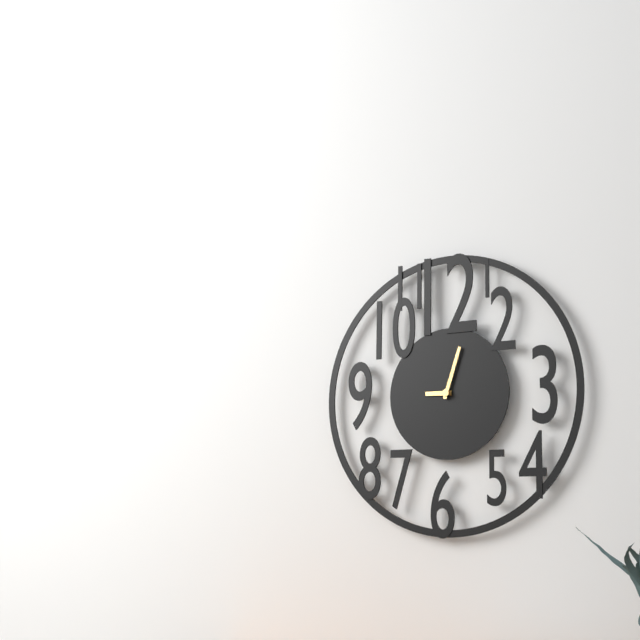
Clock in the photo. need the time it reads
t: 9:03
